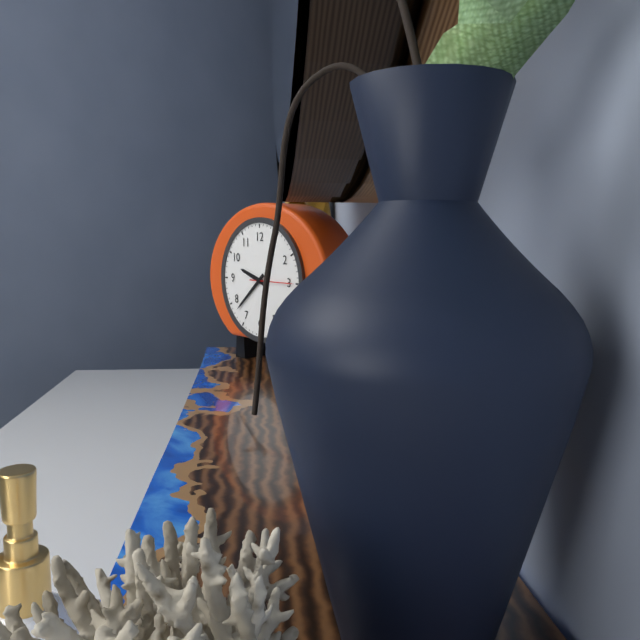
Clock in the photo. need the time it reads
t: 9:38
